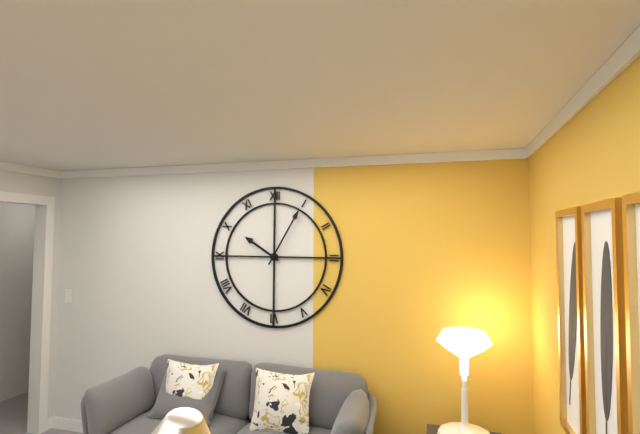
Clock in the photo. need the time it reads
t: 10:05
